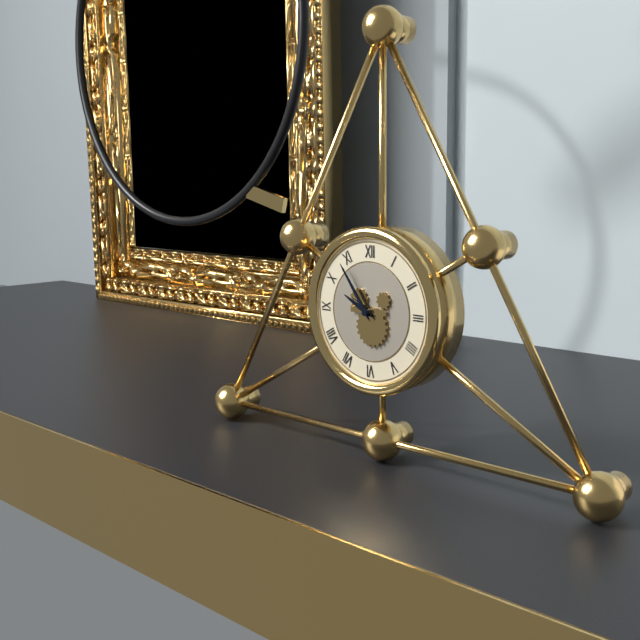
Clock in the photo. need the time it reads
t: 9:54
